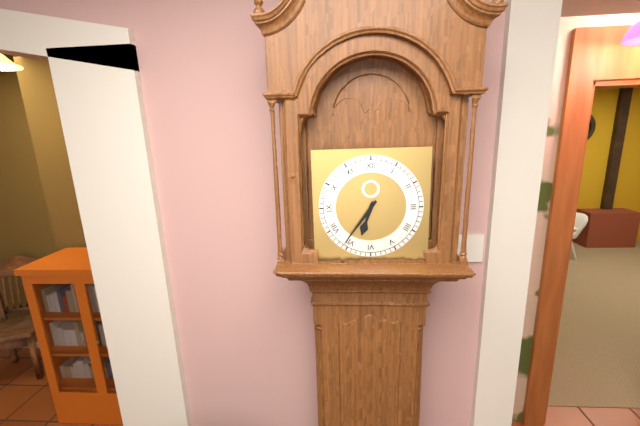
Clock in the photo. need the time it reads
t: 6:36
